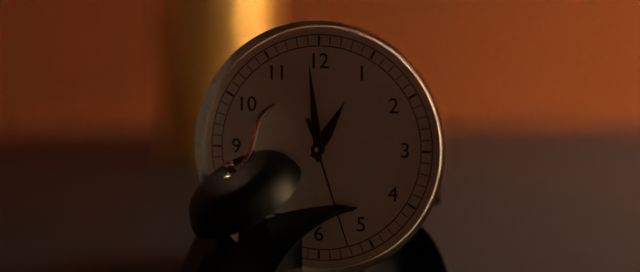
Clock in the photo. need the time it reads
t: 12:59:27
